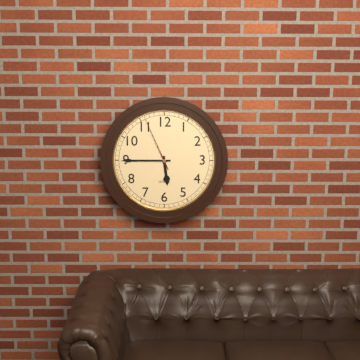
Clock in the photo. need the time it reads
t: 5:45:56
